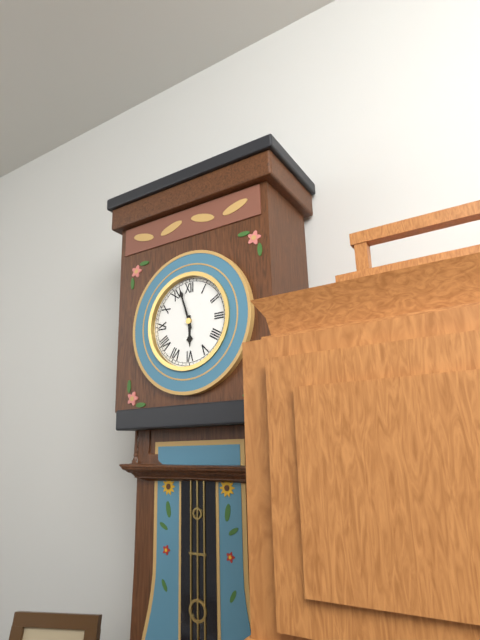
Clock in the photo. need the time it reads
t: 5:57
